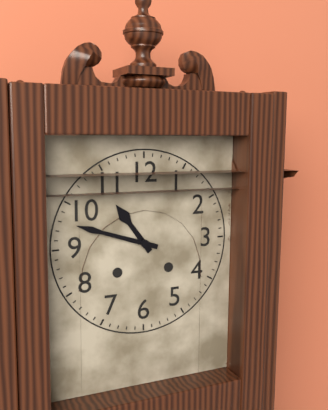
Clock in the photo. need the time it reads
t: 10:48
